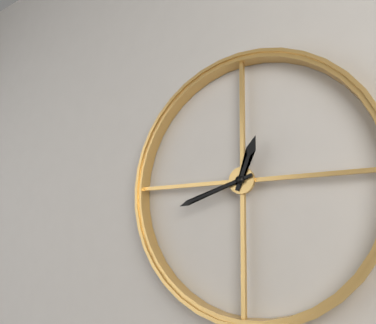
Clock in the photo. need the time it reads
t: 12:42
